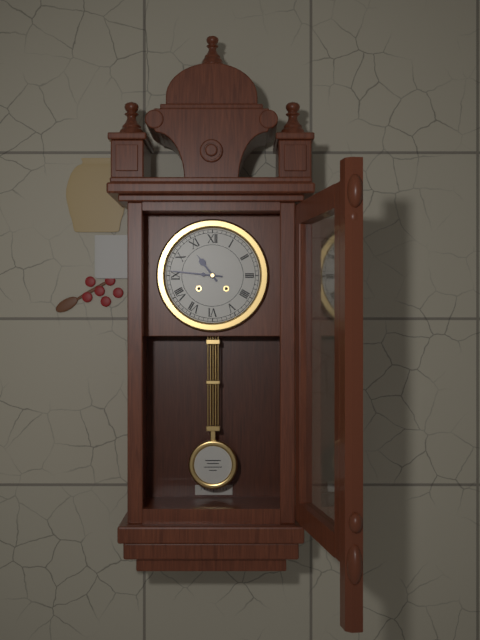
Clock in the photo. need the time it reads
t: 10:46
